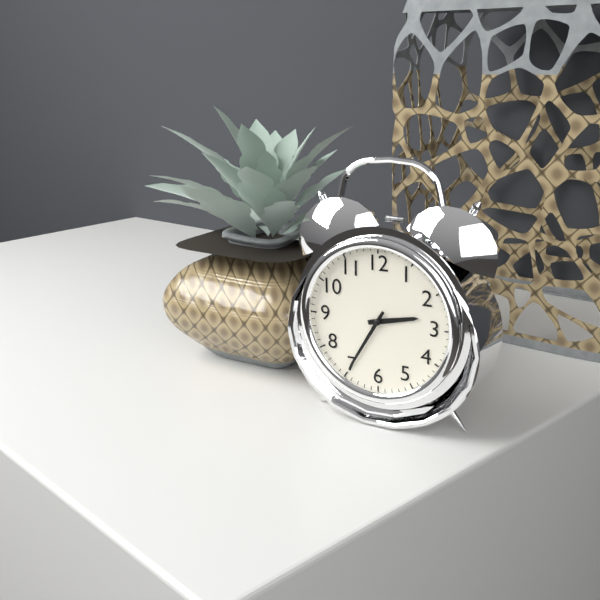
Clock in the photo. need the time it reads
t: 2:35
